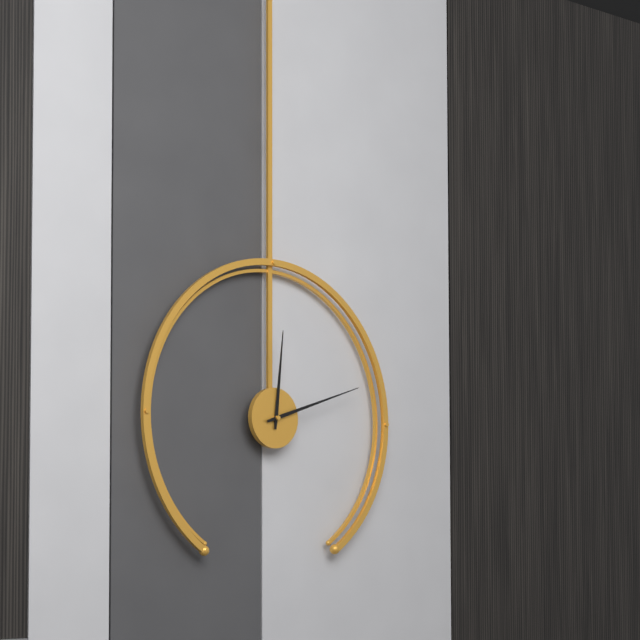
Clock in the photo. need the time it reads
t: 12:12
